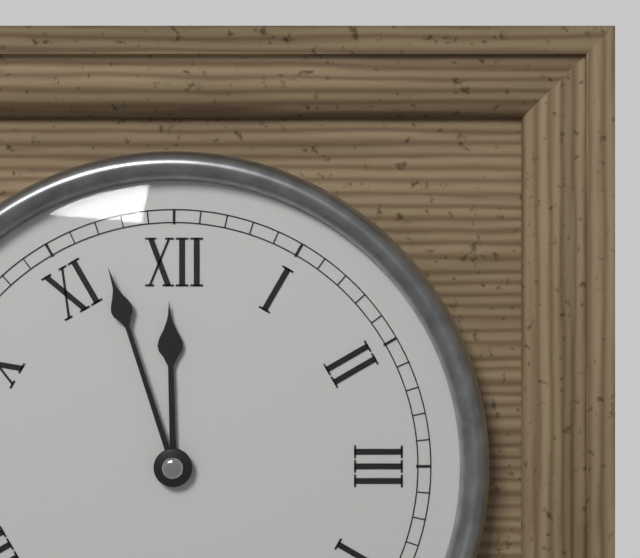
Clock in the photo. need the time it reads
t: 11:57
